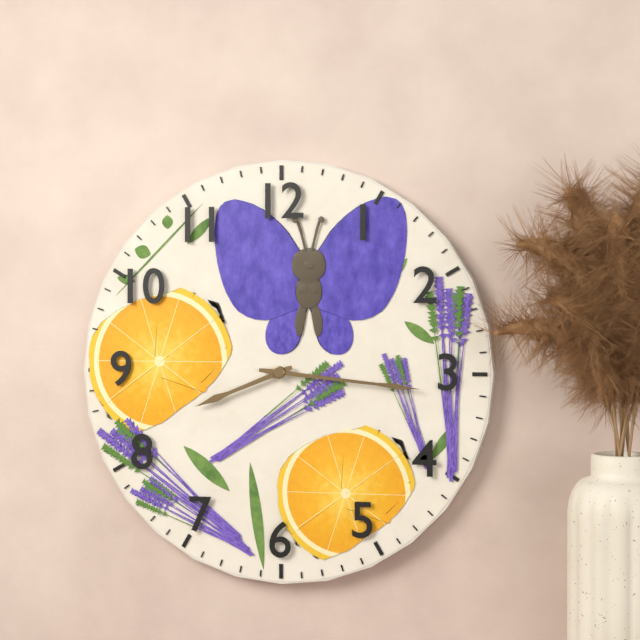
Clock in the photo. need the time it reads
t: 8:16
